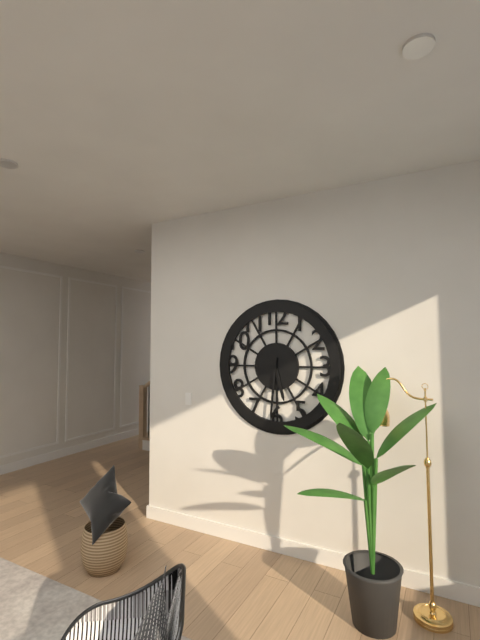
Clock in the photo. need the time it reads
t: 5:31
